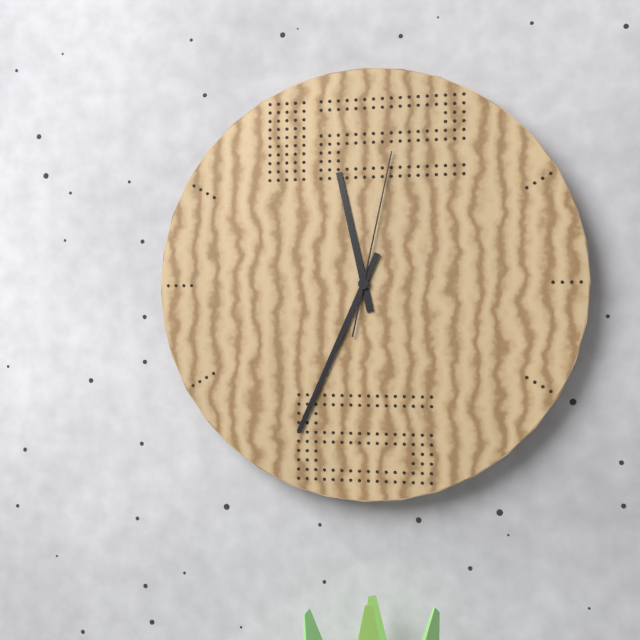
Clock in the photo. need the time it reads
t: 11:34:02
